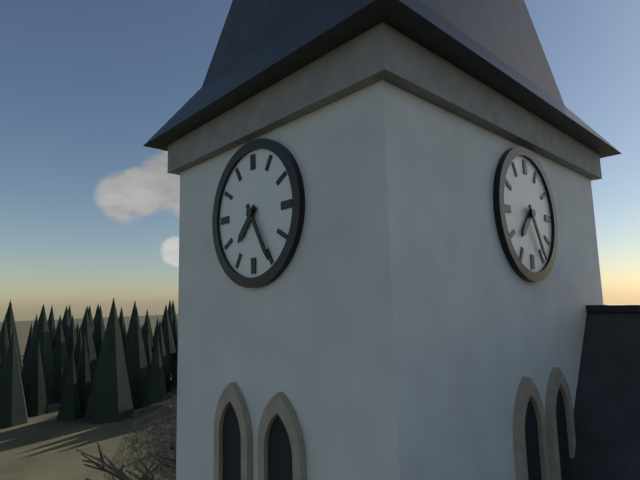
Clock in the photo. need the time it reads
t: 7:25
